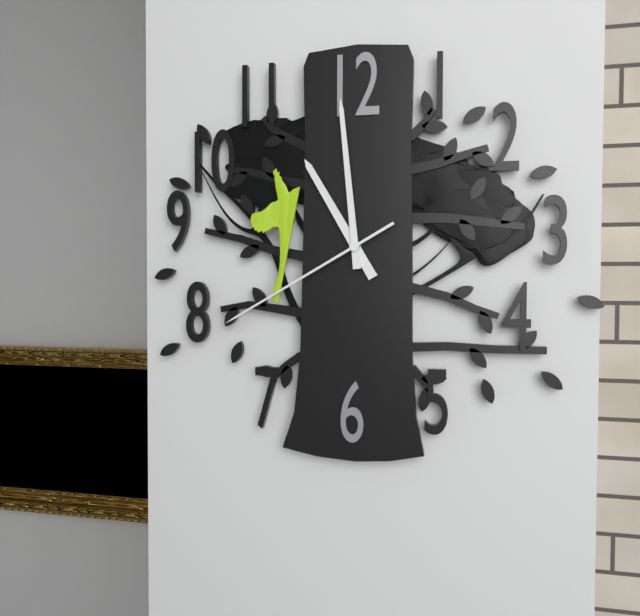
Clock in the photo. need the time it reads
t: 10:59:40
